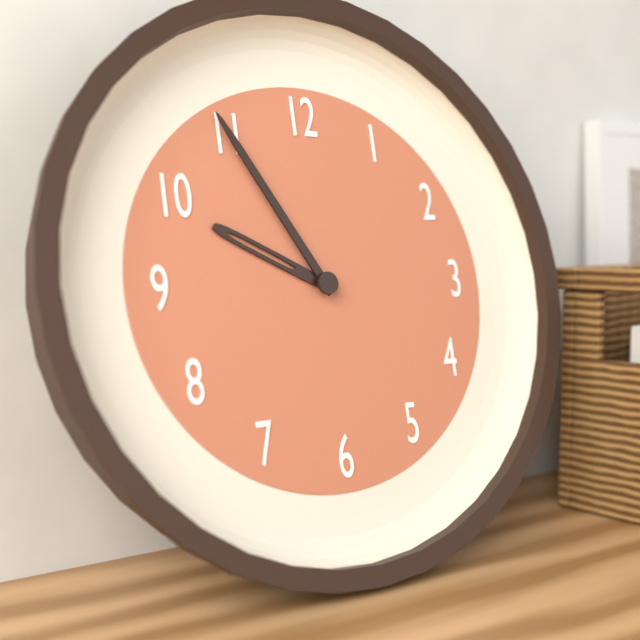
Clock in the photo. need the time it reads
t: 9:55
